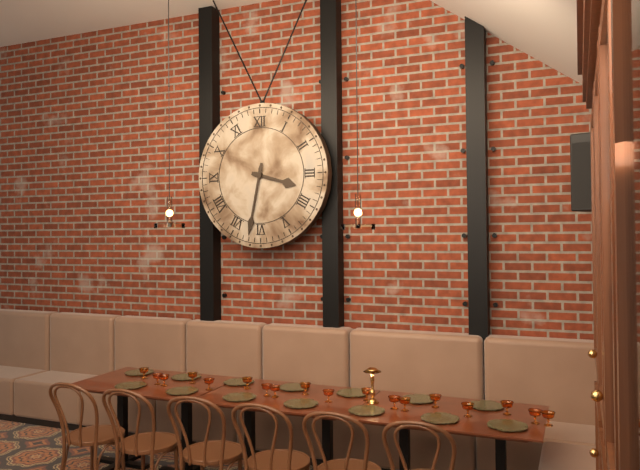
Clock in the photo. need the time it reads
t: 3:32
